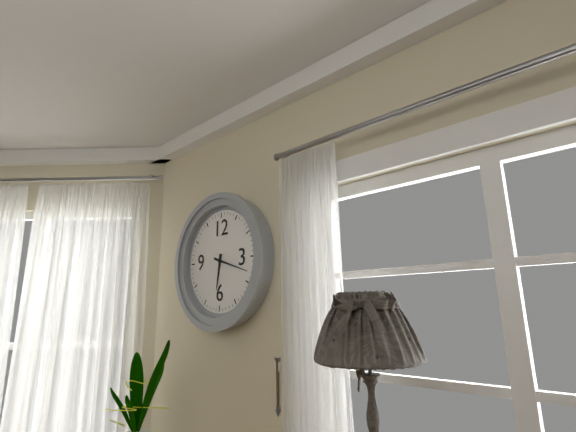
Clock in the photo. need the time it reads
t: 6:18
